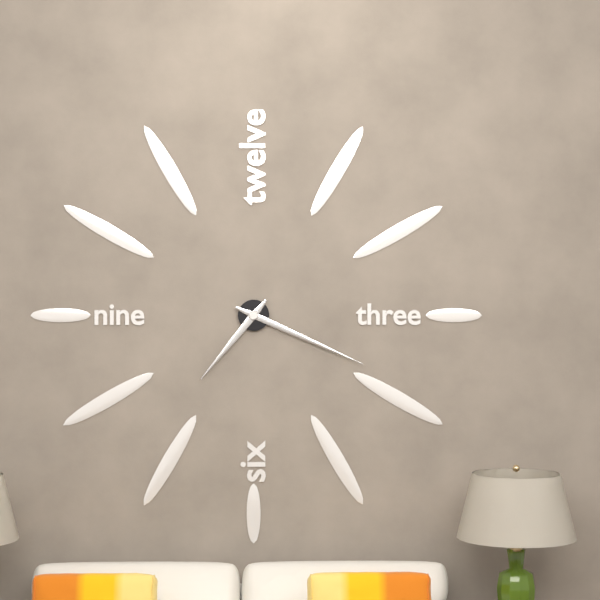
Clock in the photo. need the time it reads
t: 7:19
